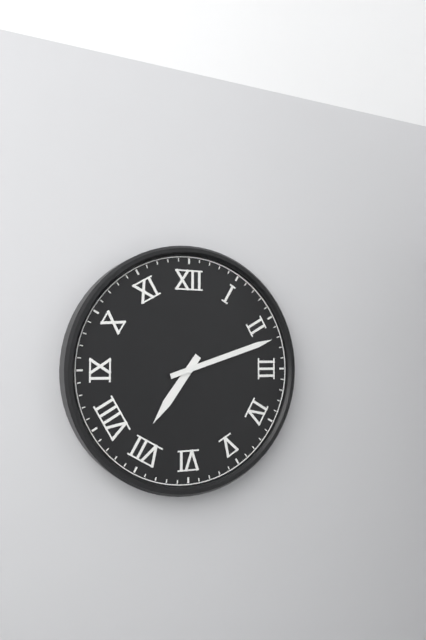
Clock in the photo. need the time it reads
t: 7:12
